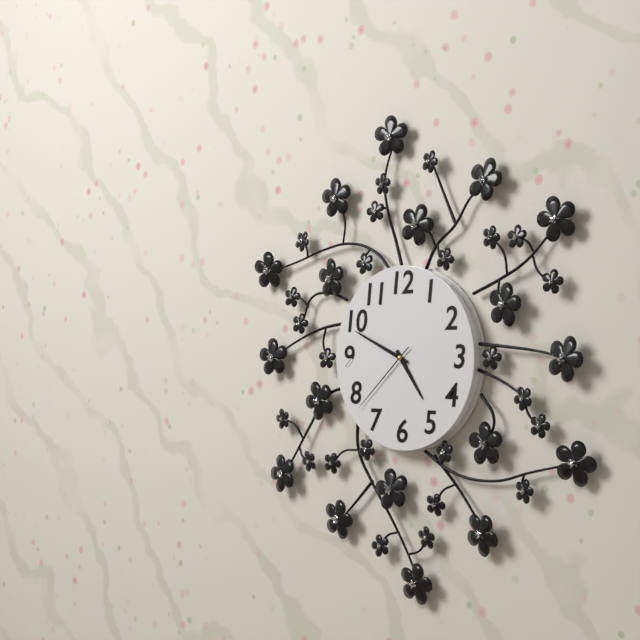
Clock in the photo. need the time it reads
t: 4:49:38
